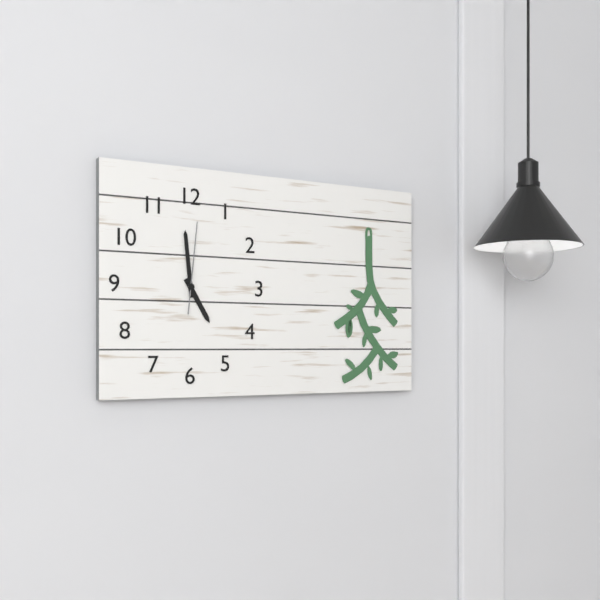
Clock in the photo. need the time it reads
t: 4:59:01
